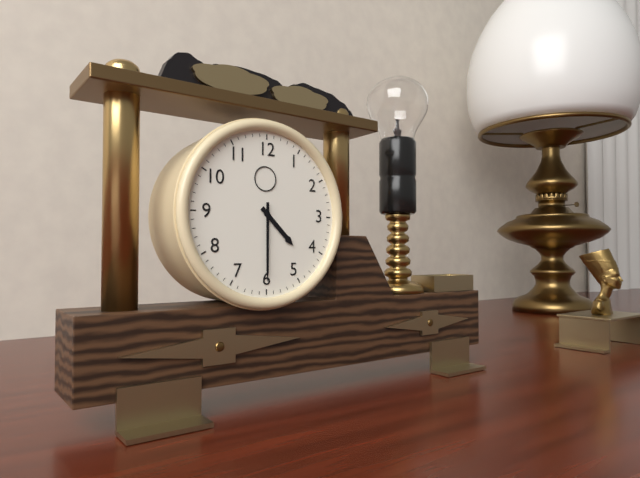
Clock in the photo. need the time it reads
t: 4:30
